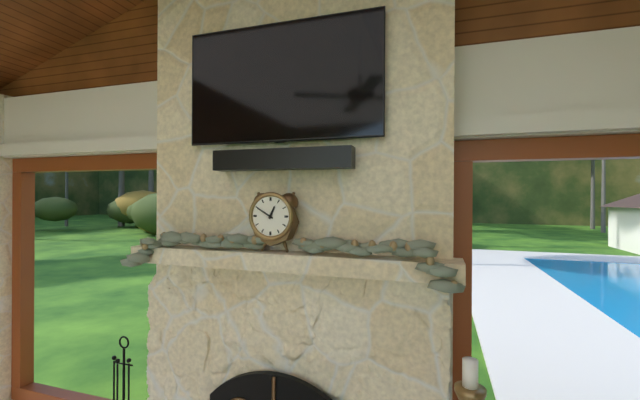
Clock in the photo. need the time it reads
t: 12:50
